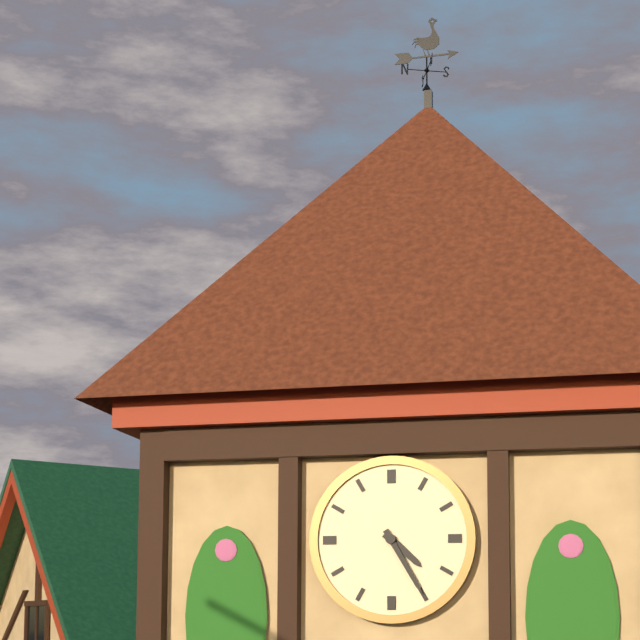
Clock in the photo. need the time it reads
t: 4:25
